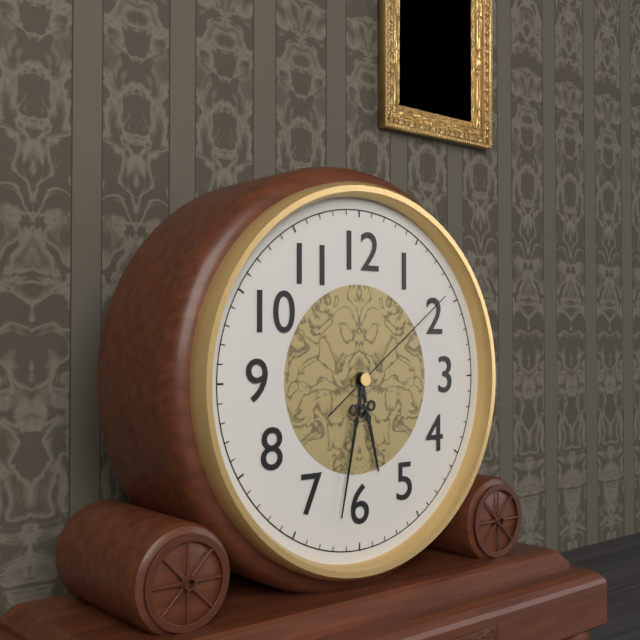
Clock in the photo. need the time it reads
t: 5:32:09
